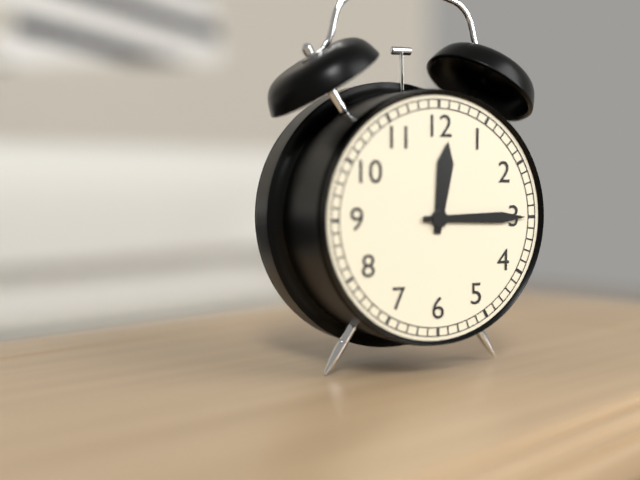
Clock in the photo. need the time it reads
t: 12:15
